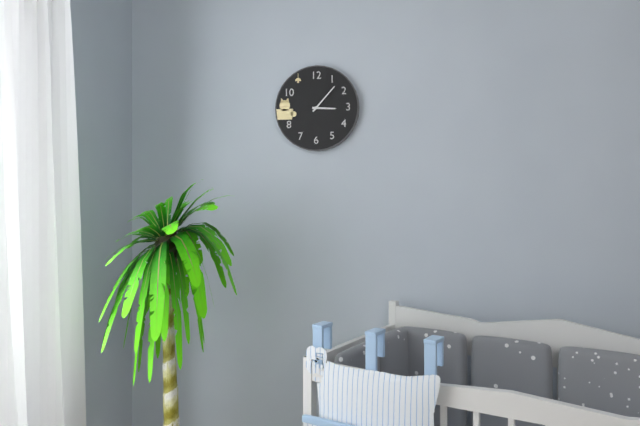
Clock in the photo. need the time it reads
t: 3:07
